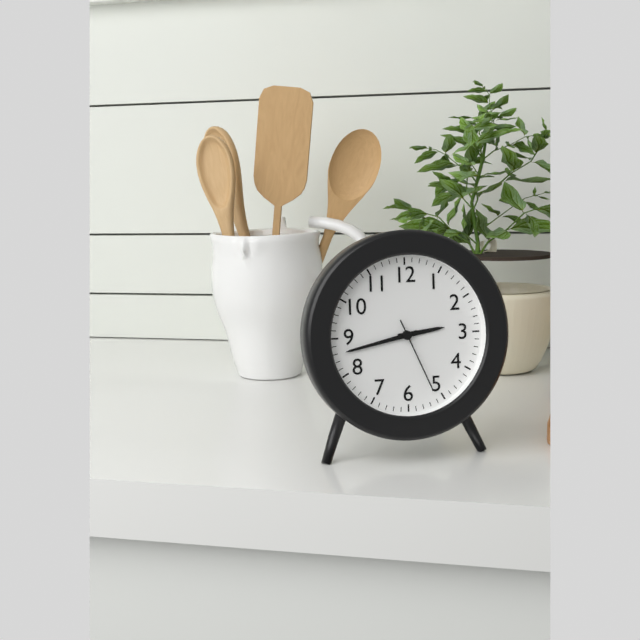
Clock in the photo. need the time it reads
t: 2:43:26
